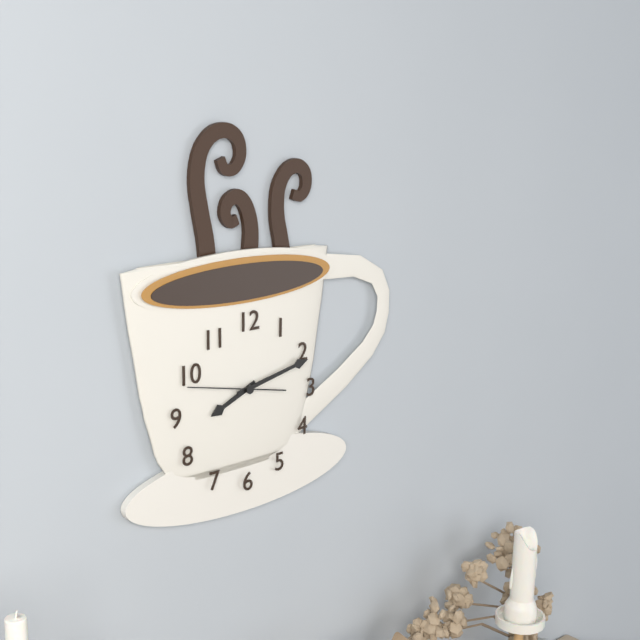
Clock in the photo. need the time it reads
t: 8:13:47
